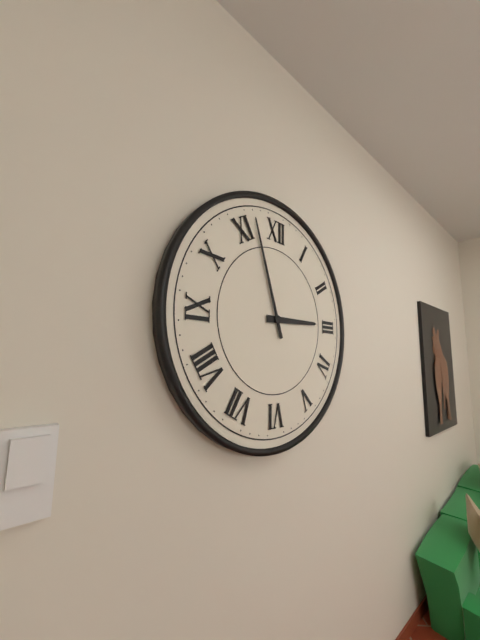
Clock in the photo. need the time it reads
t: 2:57
